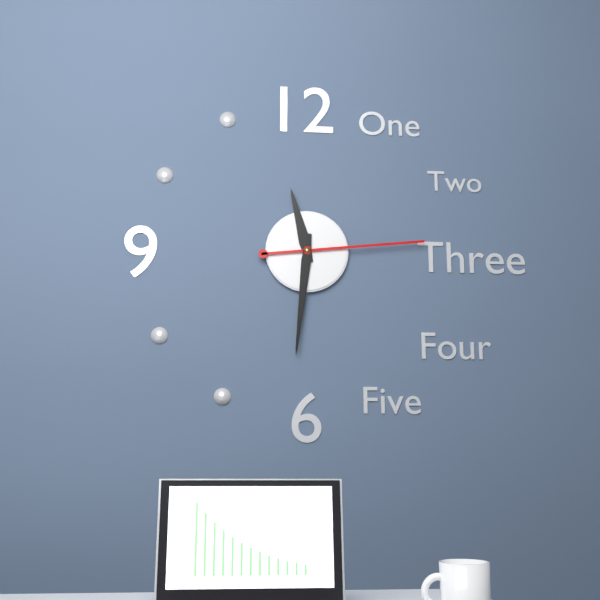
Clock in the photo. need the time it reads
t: 11:31:14
